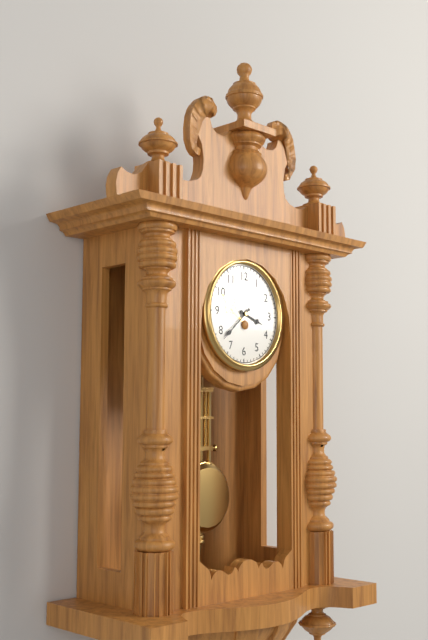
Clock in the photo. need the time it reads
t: 3:38
